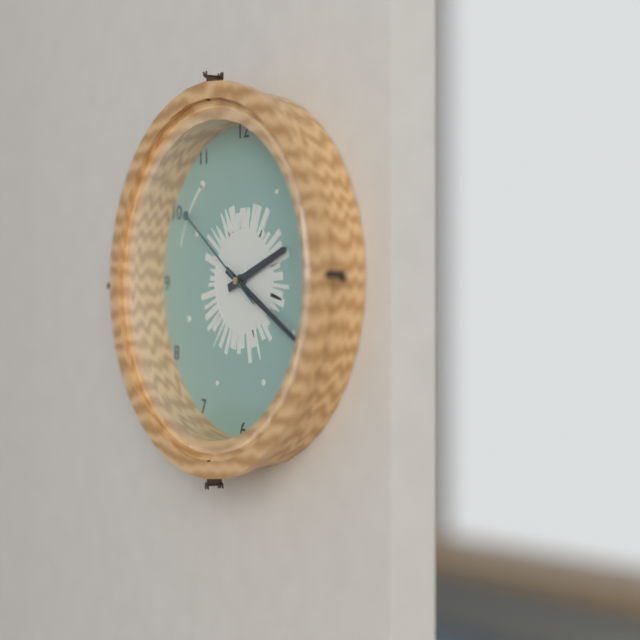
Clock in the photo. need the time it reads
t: 2:20:51
